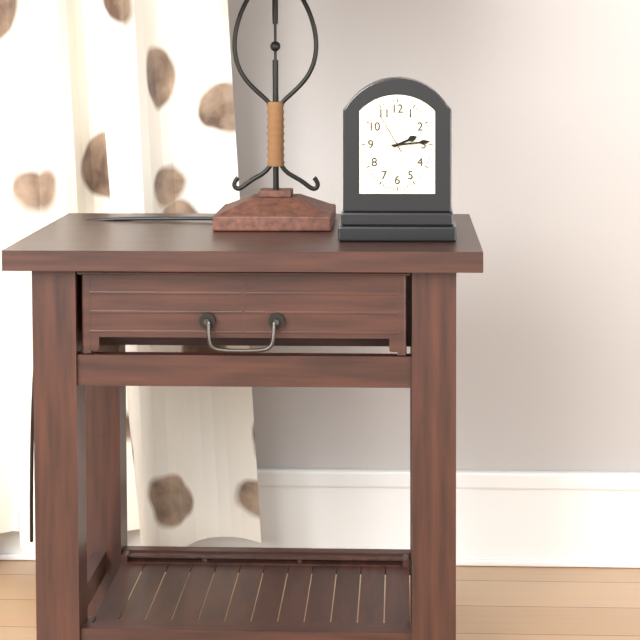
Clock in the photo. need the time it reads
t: 2:14
